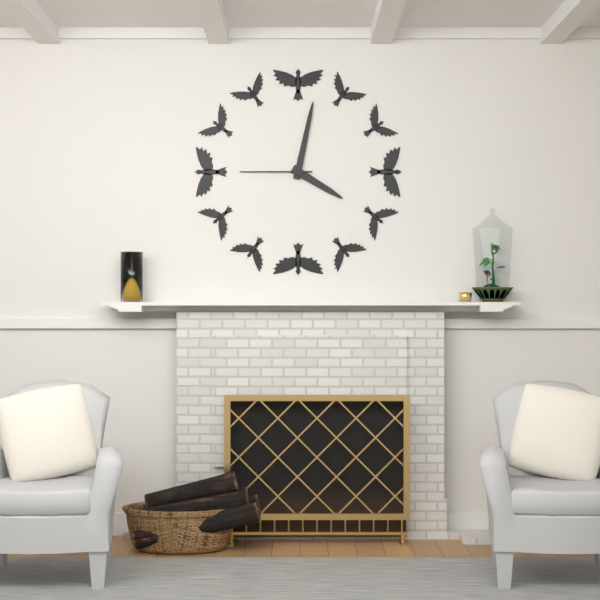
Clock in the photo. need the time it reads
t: 4:02:45
